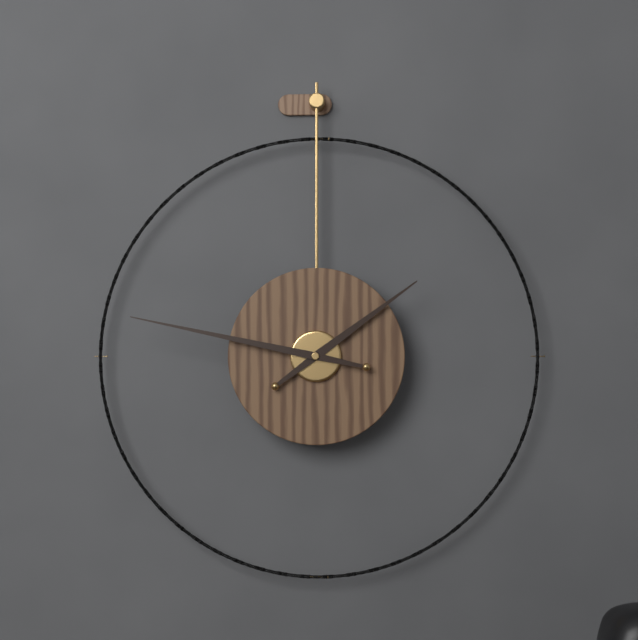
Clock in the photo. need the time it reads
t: 1:47
